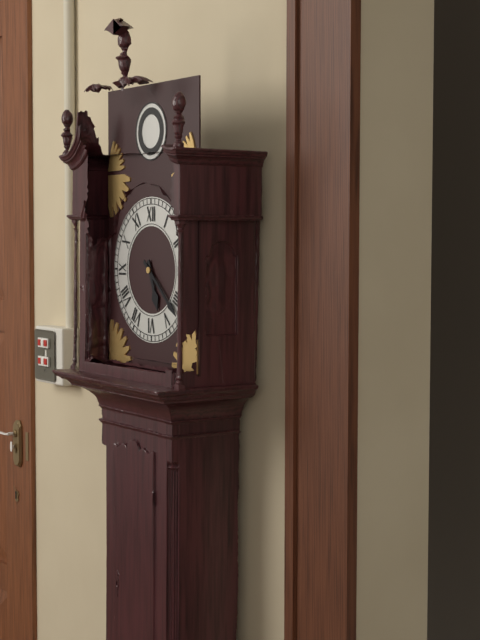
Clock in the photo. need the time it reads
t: 5:22
